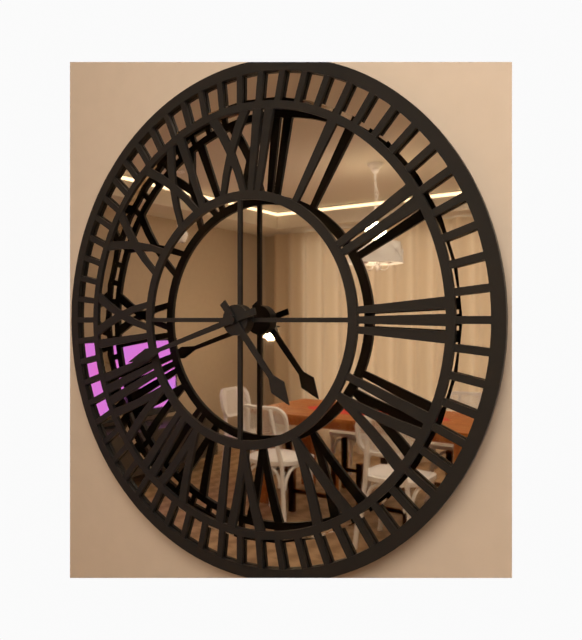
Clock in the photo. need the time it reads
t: 4:42
